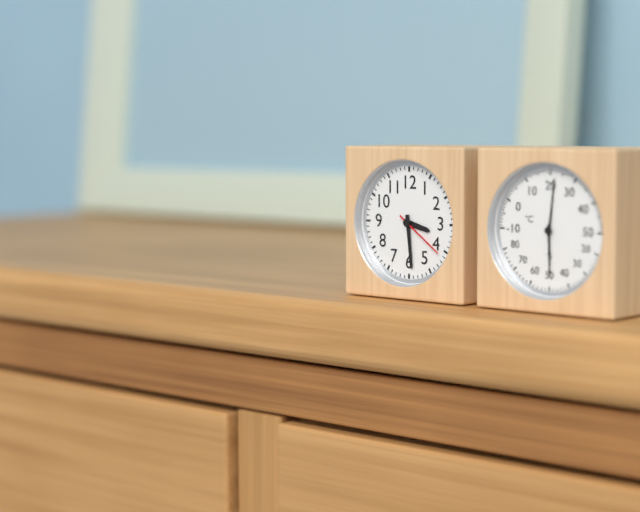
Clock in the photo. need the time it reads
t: 3:29:21
